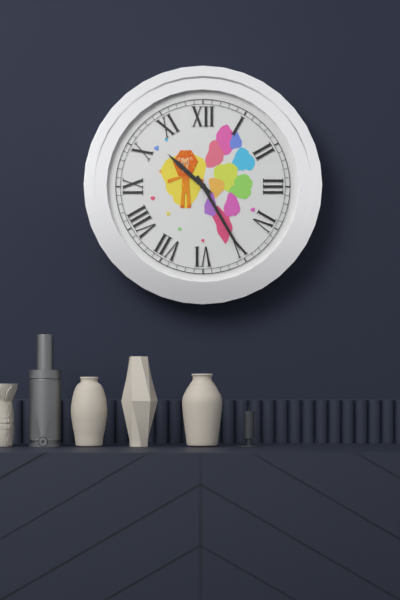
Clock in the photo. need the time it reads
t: 10:25
